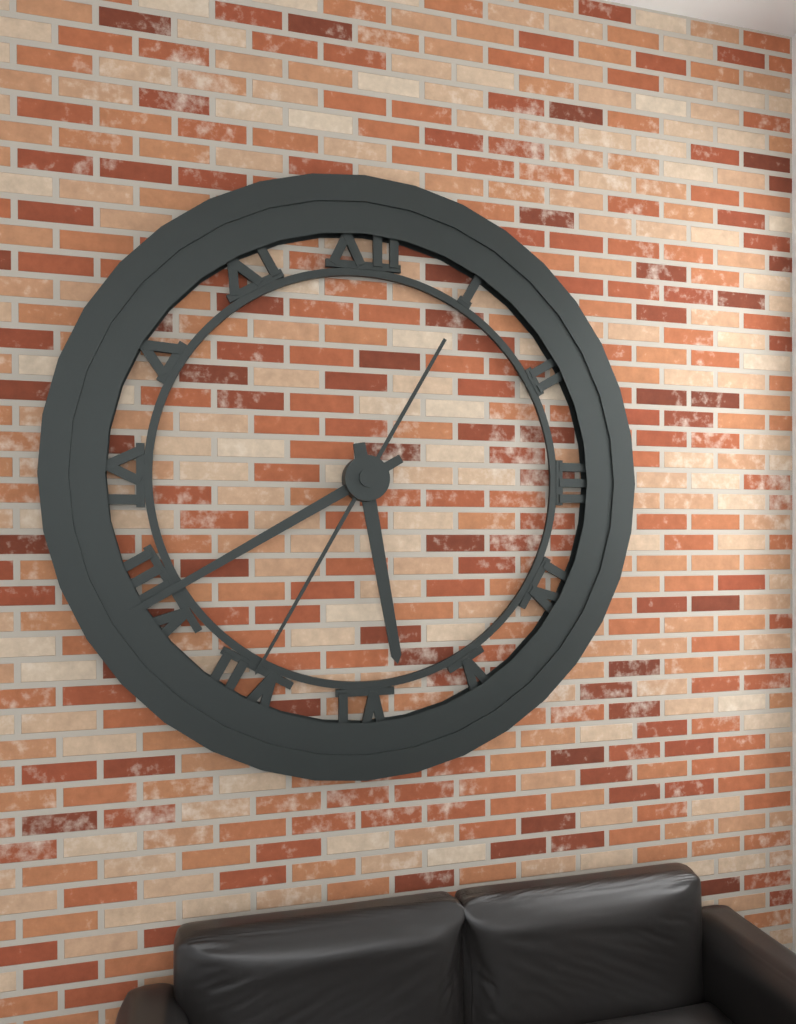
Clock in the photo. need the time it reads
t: 5:40:35
